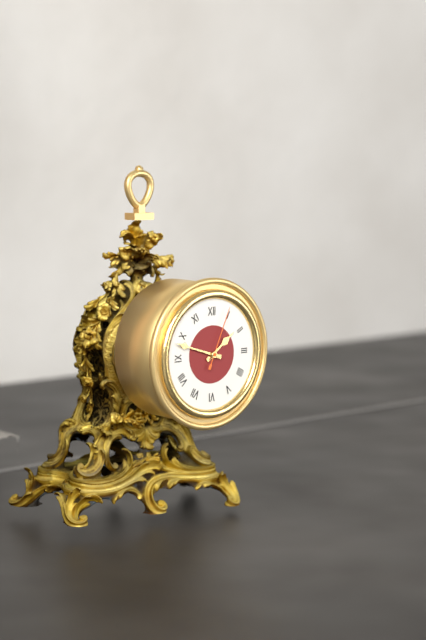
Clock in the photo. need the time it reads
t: 1:48:04
